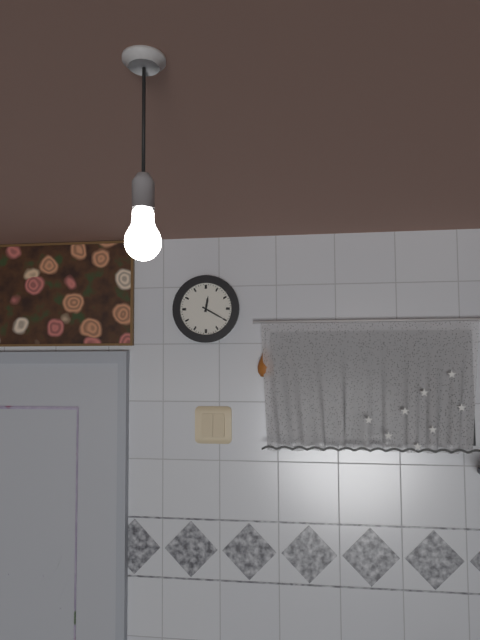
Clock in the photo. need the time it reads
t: 12:20
